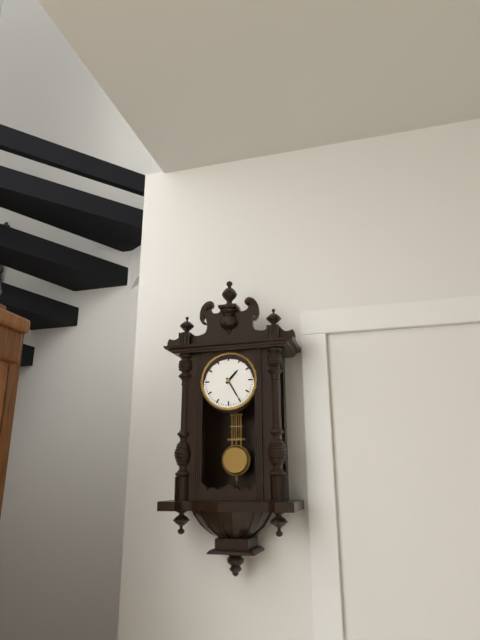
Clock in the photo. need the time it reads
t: 1:25
